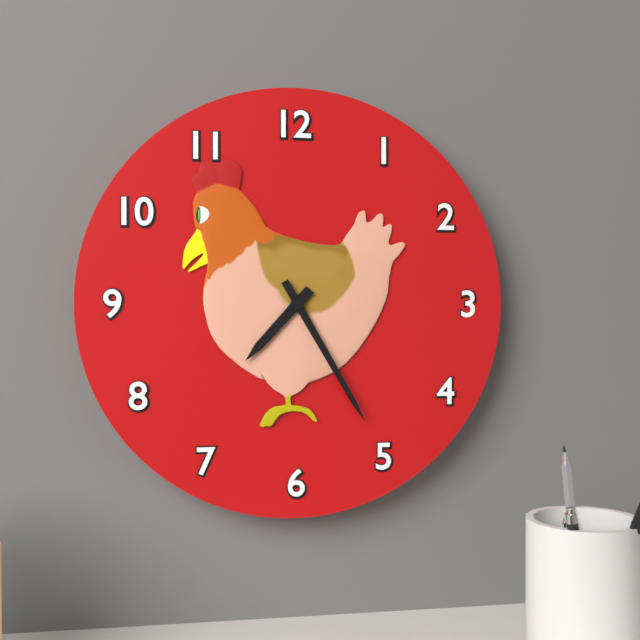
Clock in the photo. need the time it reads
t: 7:25
